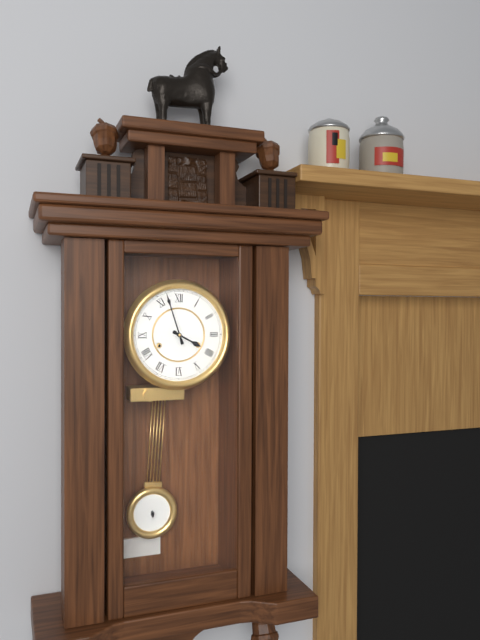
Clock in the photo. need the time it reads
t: 3:57
